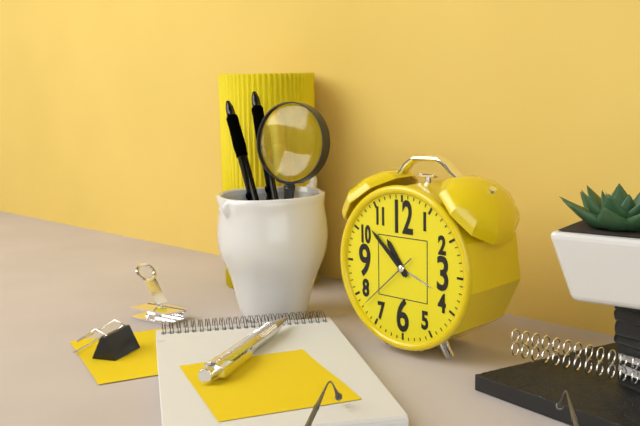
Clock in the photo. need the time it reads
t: 10:52:38
